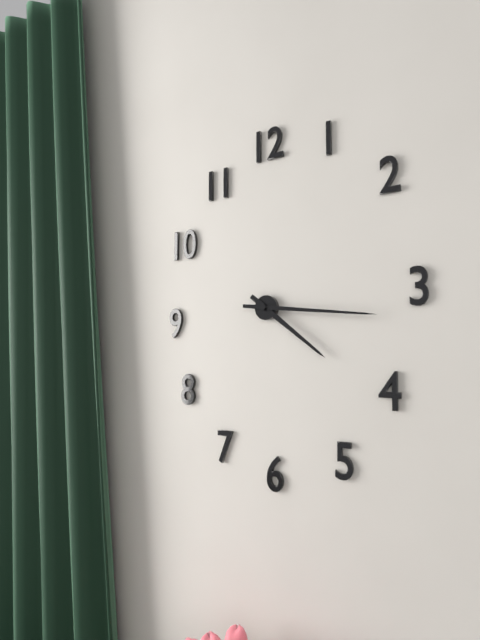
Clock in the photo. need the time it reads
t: 4:16
